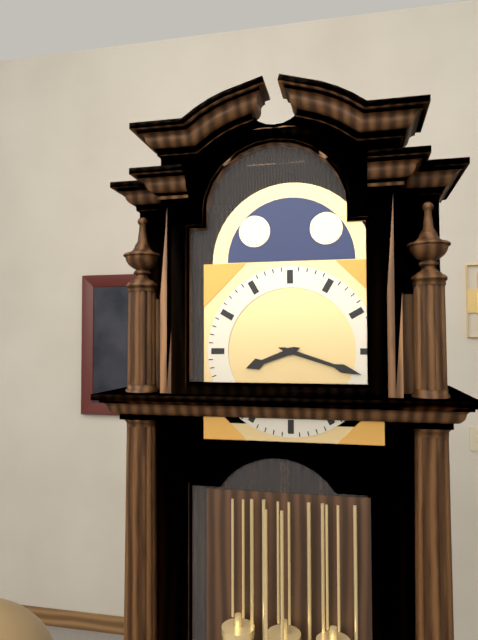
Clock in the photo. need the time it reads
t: 8:18
